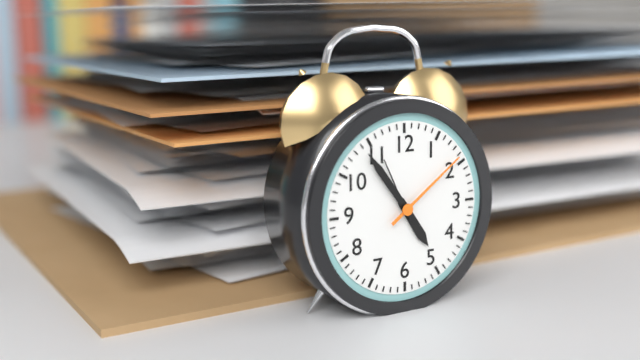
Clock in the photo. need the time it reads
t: 4:54:09
